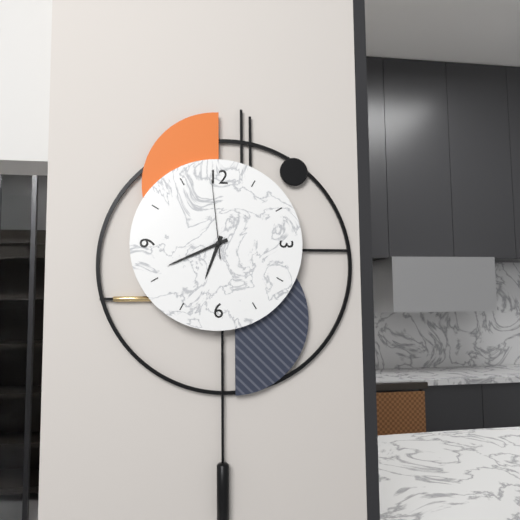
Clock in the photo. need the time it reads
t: 6:41:59
